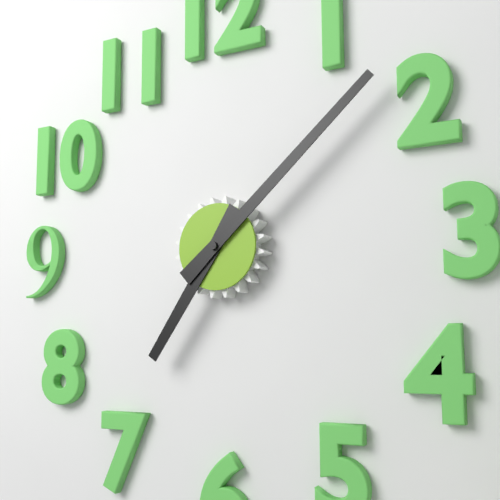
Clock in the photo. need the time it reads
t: 7:08
